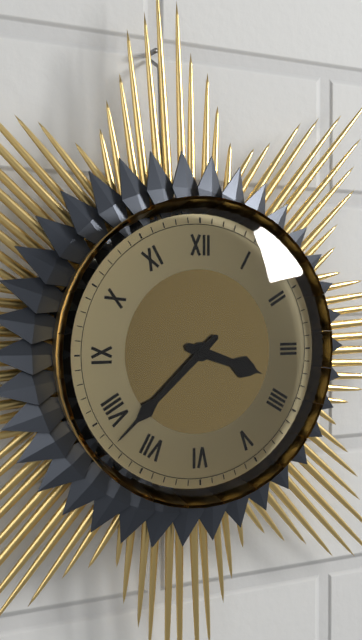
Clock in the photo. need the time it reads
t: 3:38
